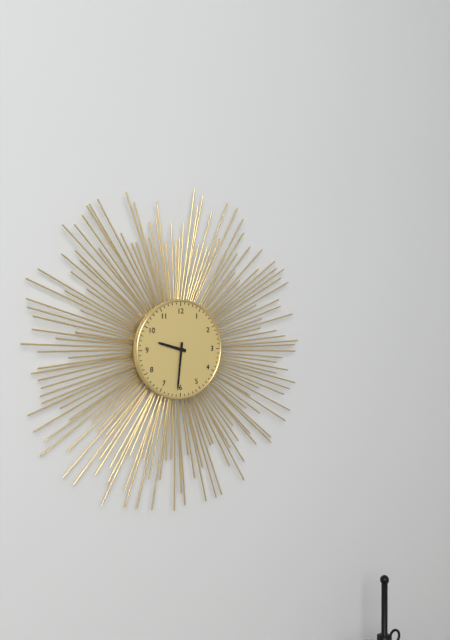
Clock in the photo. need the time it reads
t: 9:31
